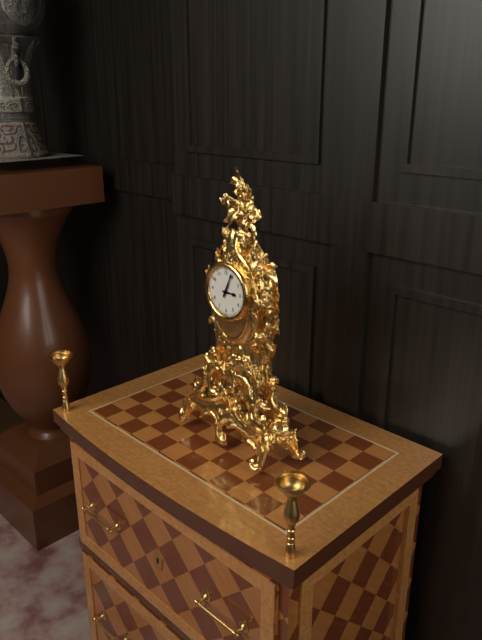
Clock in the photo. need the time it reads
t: 3:04
